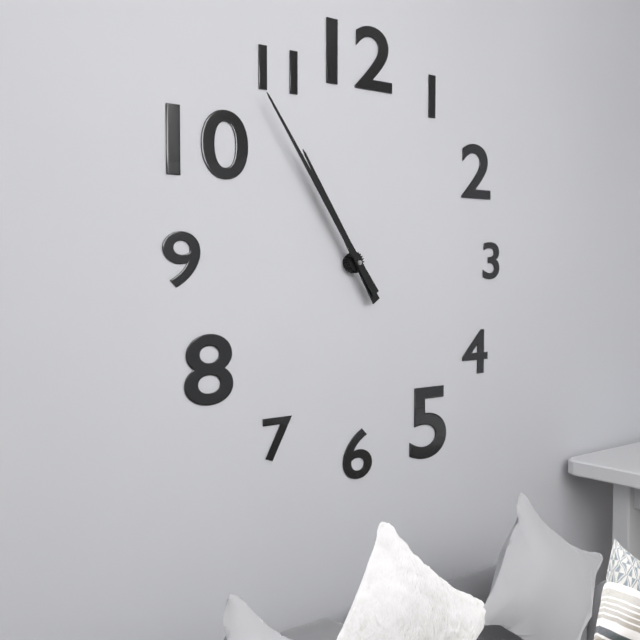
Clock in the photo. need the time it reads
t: 10:54
